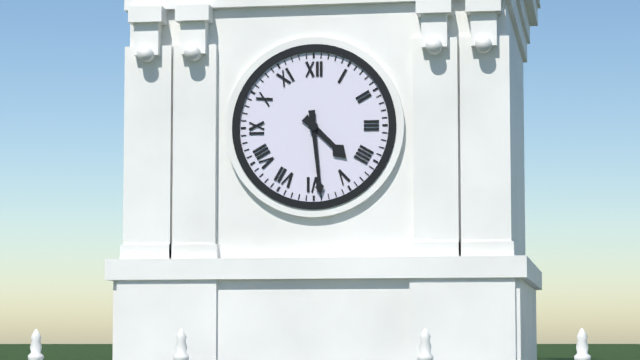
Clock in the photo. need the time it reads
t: 4:29
